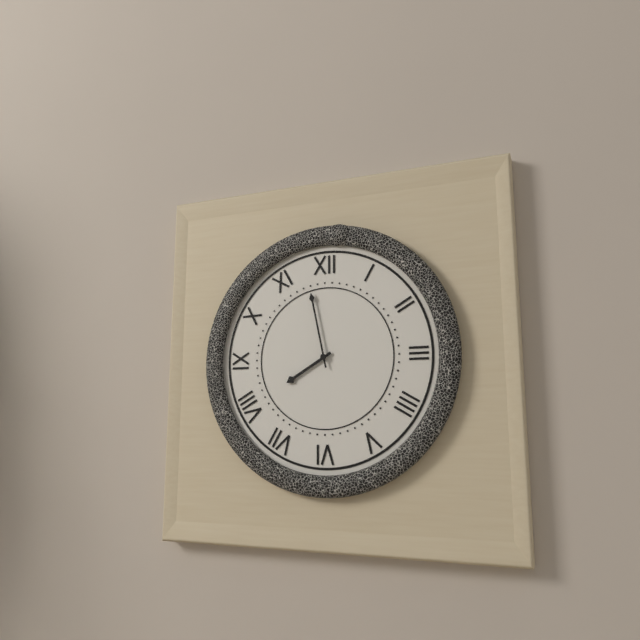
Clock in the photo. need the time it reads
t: 7:58
